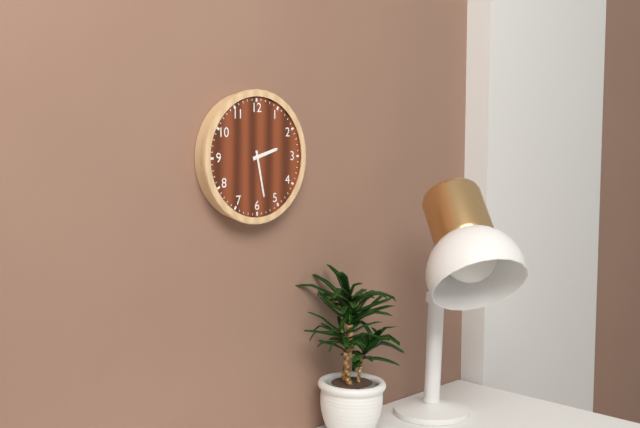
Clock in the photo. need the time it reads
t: 2:28
